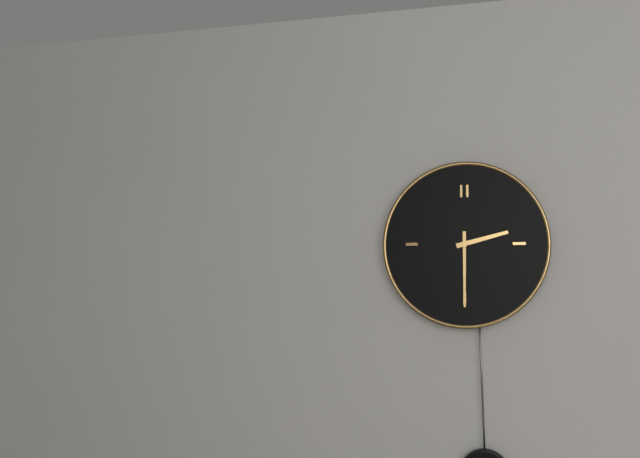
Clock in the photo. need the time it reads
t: 2:30
